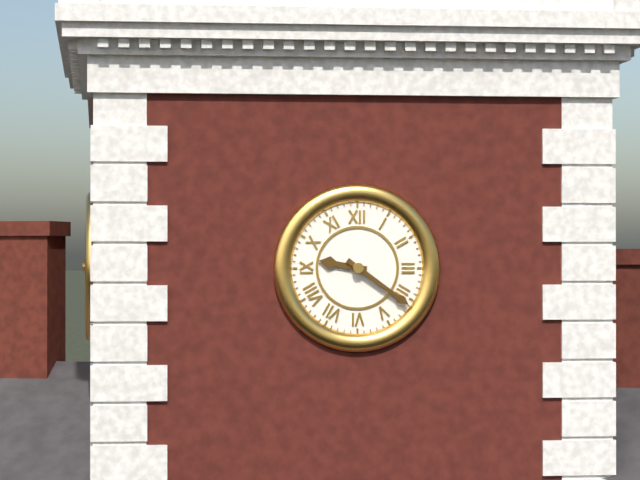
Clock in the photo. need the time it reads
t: 9:21
